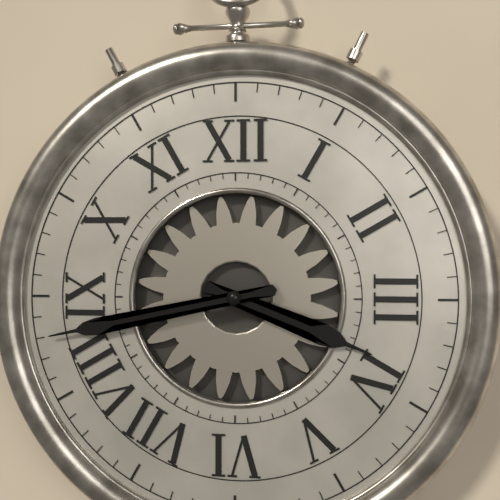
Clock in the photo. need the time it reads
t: 3:43
